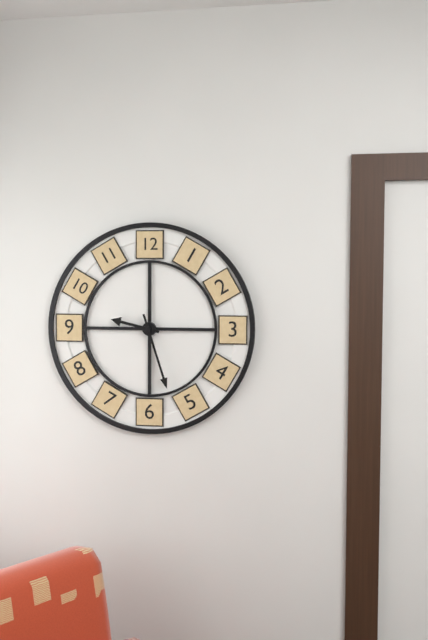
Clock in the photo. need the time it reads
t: 9:27
